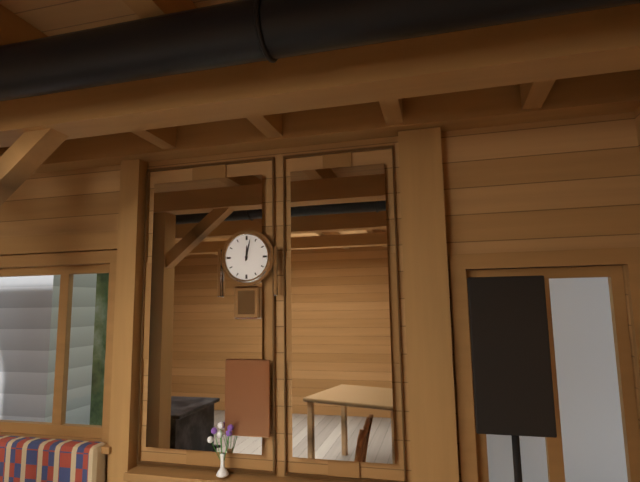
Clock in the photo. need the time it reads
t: 12:02
